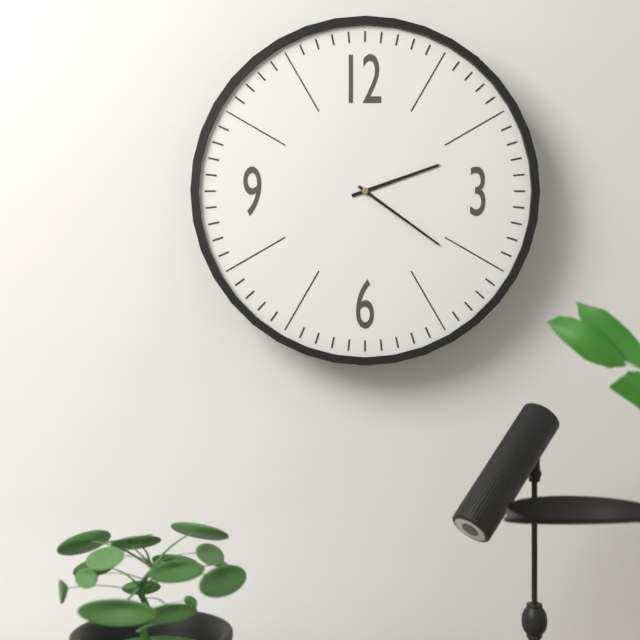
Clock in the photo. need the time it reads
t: 2:21
